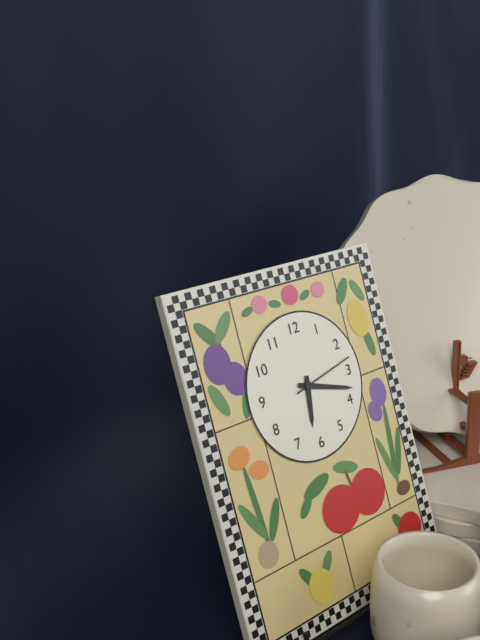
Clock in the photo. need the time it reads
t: 6:18:13
